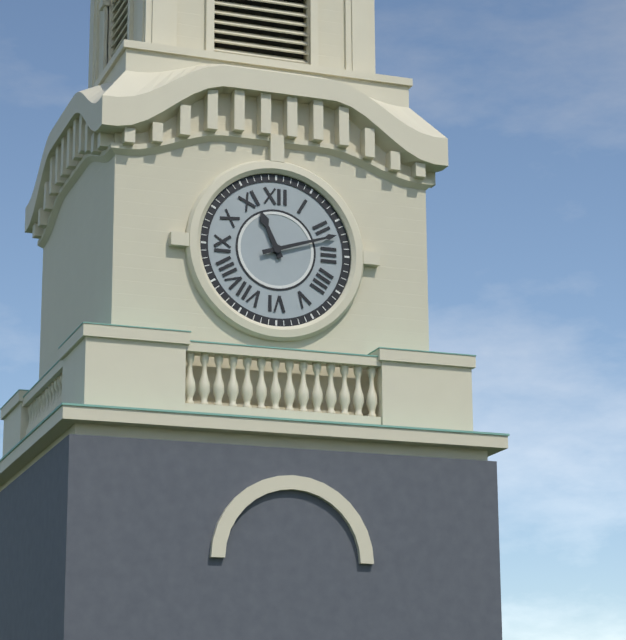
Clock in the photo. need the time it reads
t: 11:12
